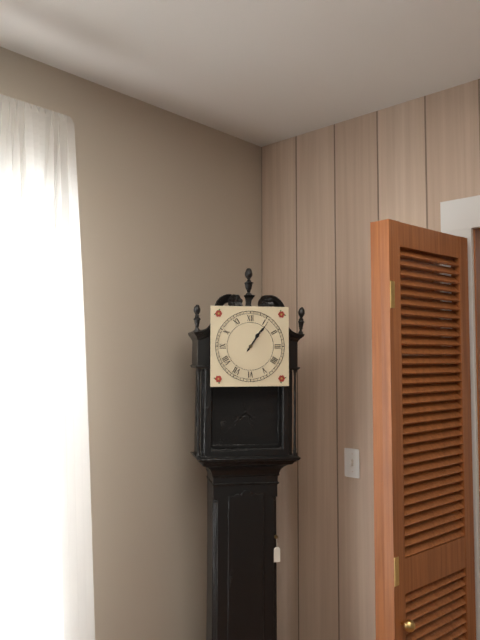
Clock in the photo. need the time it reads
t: 1:06
